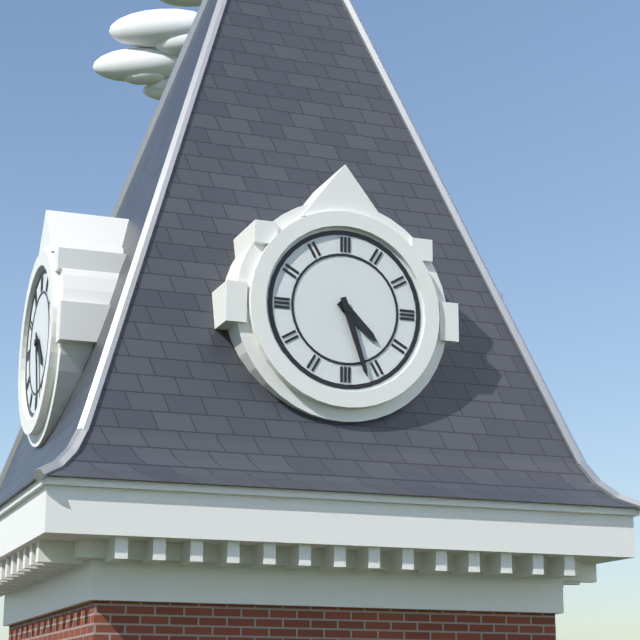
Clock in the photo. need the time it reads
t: 4:27
